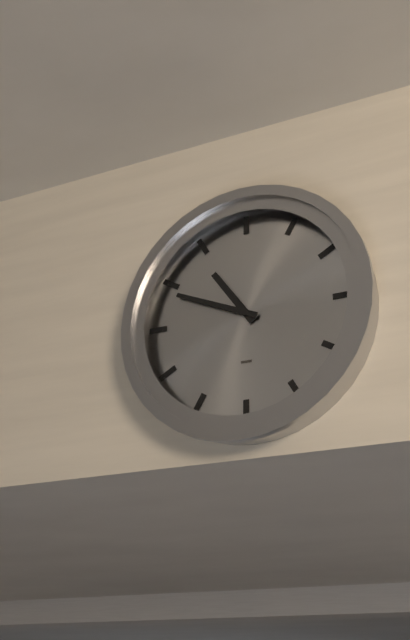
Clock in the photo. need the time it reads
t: 10:49
